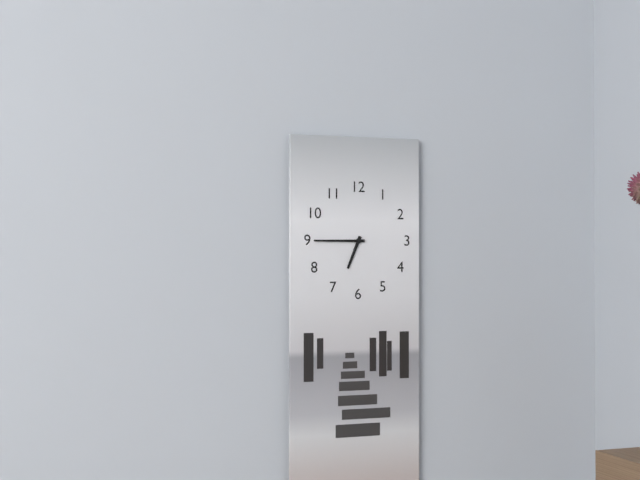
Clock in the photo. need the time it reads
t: 6:45
